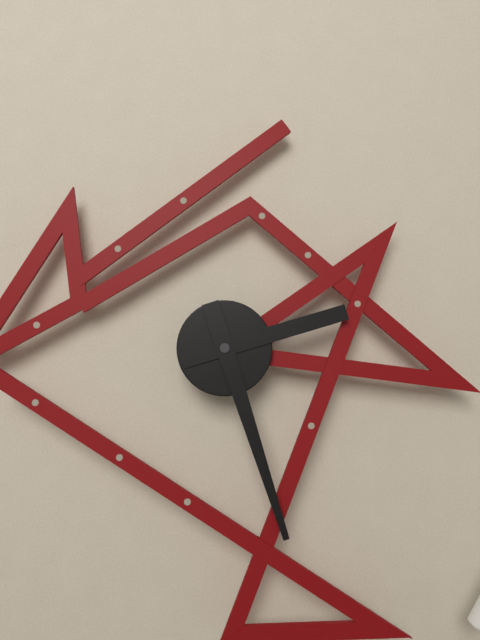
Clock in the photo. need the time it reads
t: 2:27
